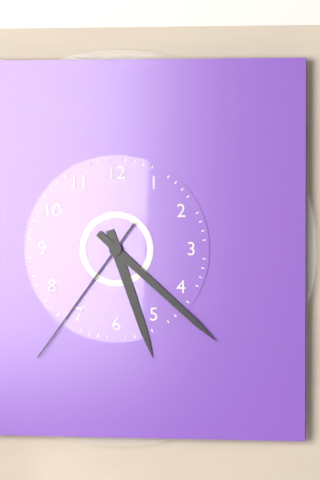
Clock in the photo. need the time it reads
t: 5:22:36
